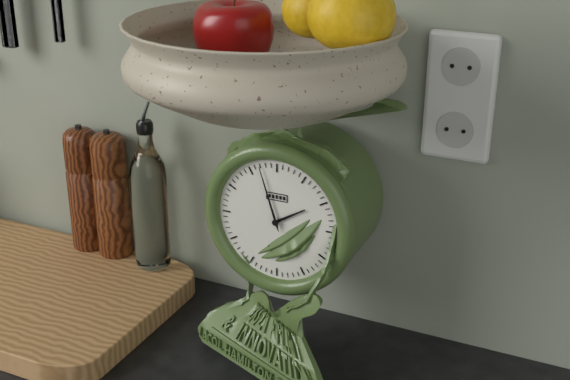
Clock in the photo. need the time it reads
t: 1:57
